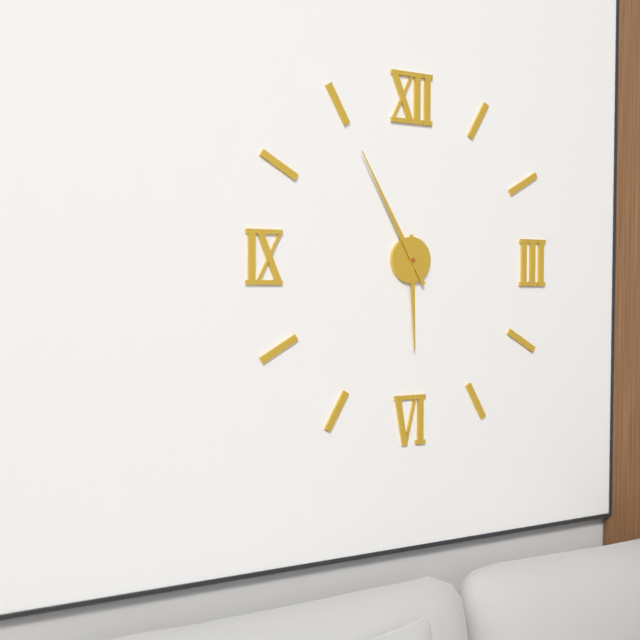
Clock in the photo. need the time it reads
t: 5:55
